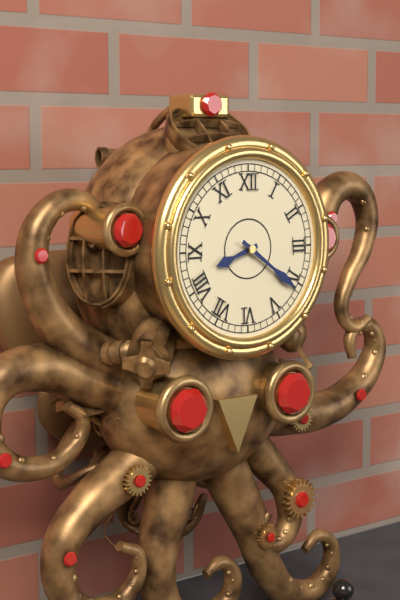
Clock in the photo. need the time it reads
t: 8:21
